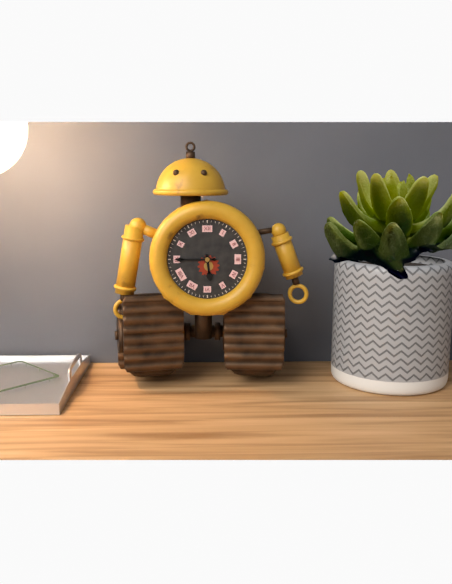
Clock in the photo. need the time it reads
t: 5:45
